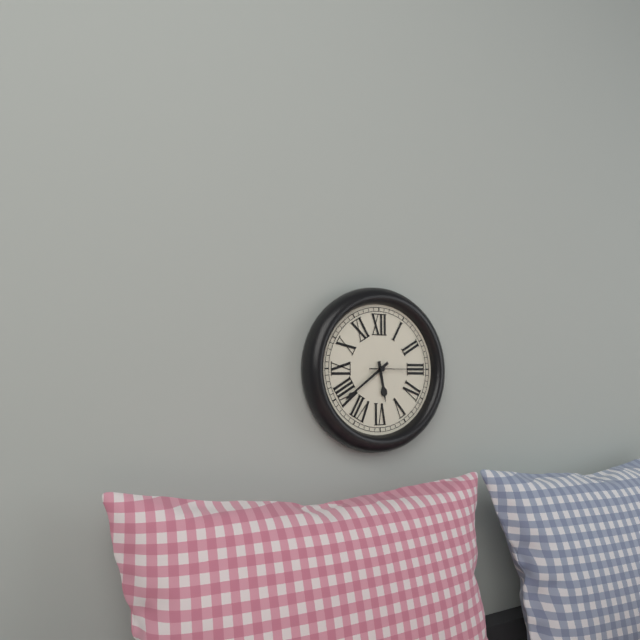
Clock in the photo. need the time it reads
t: 5:39:15
